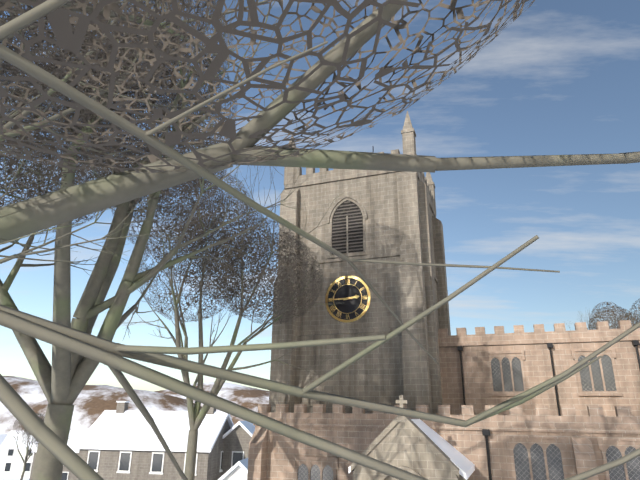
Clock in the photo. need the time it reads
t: 2:45
